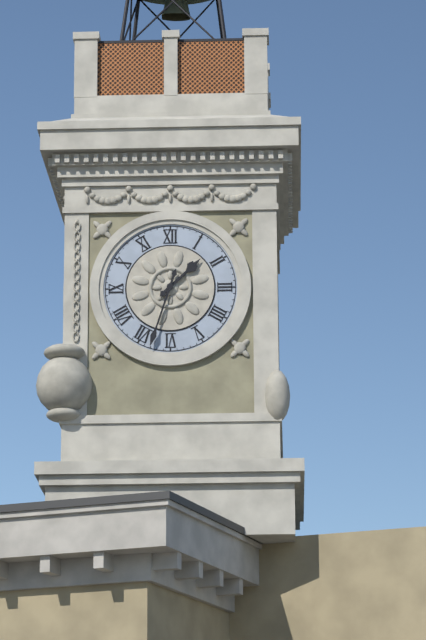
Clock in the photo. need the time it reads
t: 1:33
